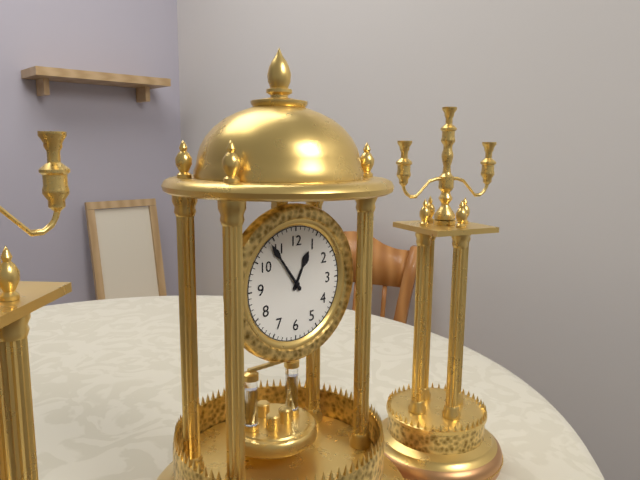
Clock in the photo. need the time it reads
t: 12:54
